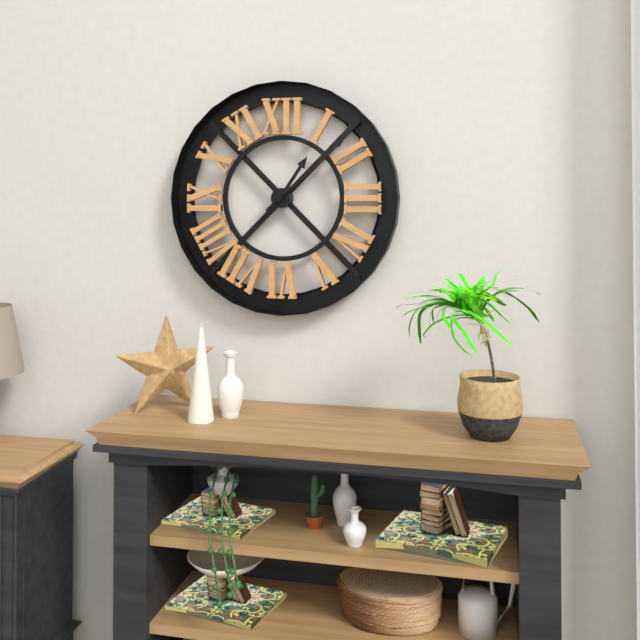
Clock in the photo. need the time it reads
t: 1:08
